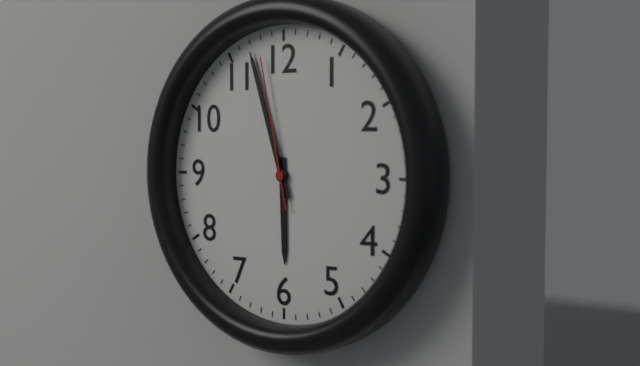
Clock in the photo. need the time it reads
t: 5:57:58
